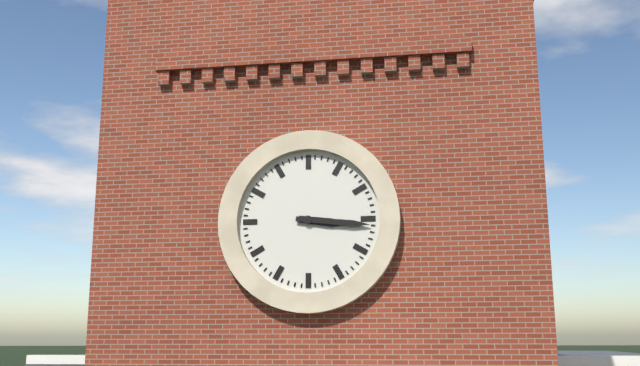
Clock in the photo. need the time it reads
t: 3:16
